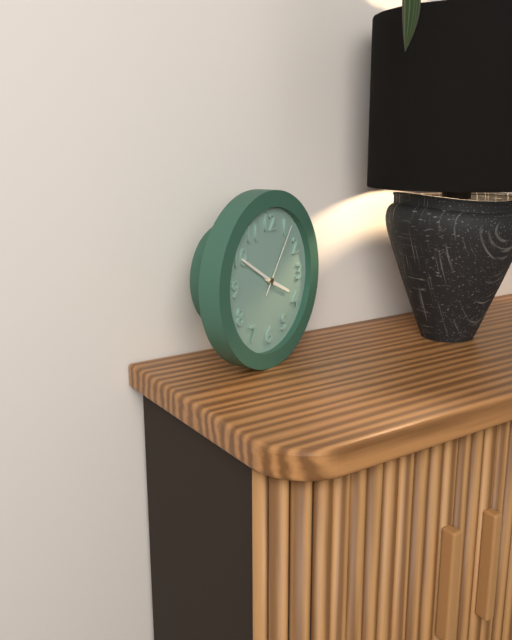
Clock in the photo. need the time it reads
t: 3:50:06
